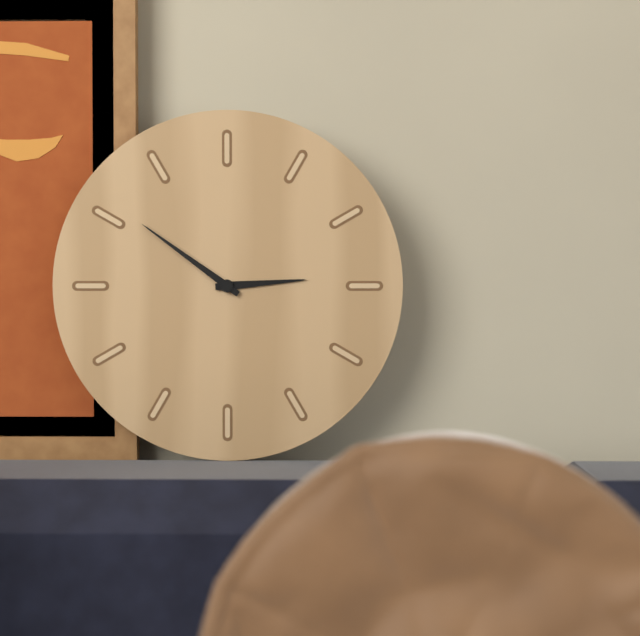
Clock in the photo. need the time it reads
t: 2:51
